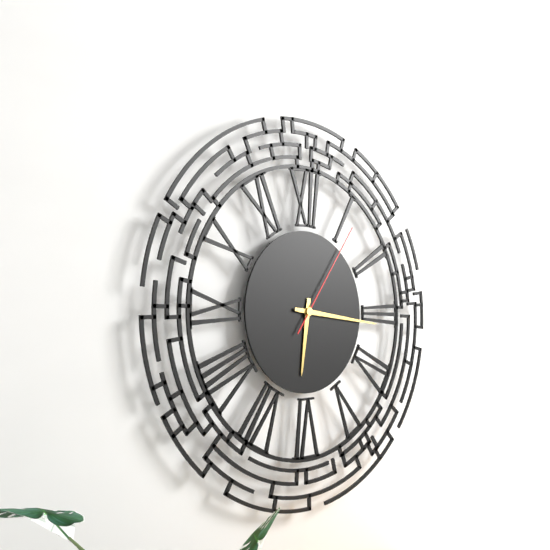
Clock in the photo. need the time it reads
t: 6:16:06
